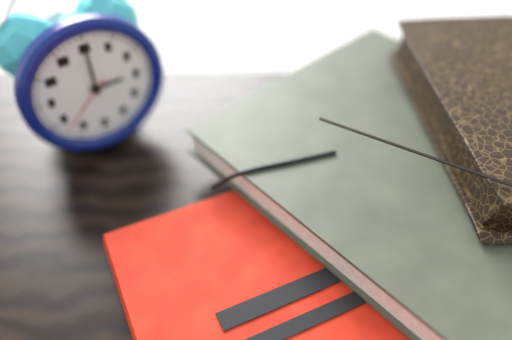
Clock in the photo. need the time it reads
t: 3:00:38
